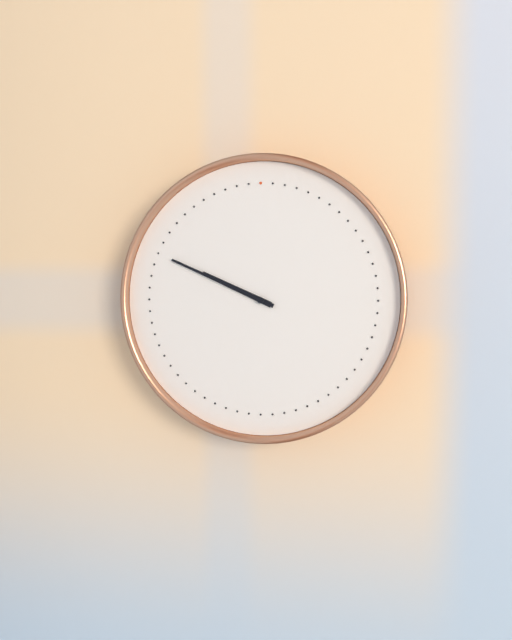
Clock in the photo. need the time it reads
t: 9:49
